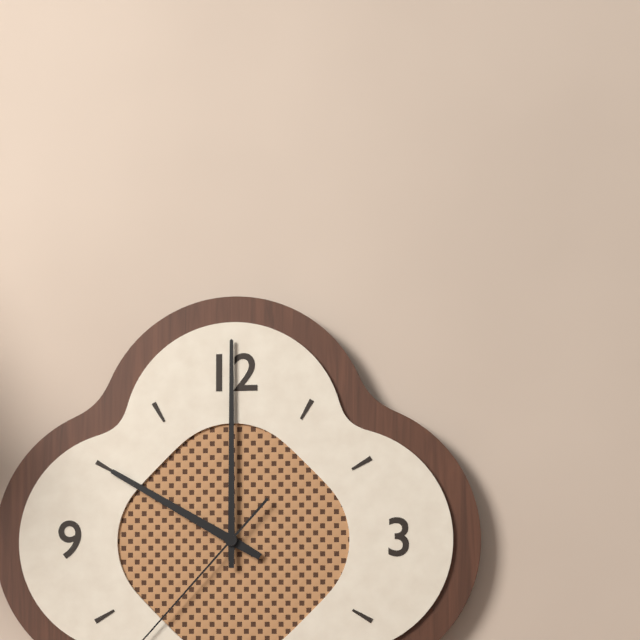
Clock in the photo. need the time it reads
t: 10:00
